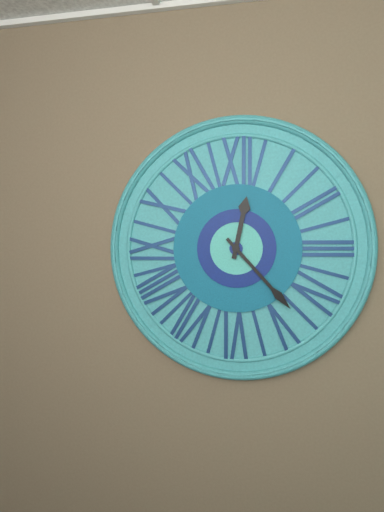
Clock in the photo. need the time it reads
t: 12:23
